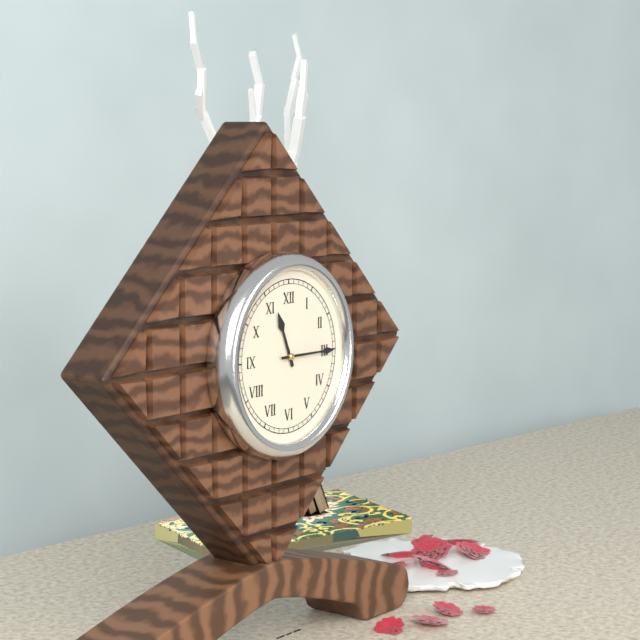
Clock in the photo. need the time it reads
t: 11:15
